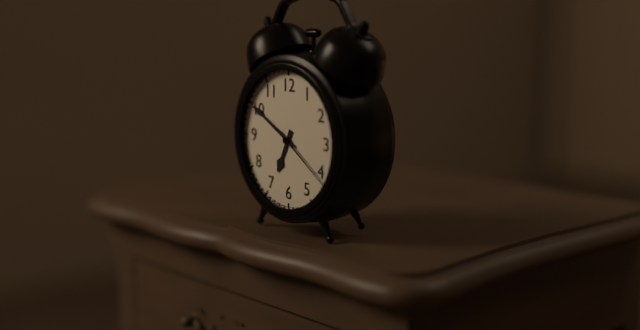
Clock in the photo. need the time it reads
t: 6:50:21
